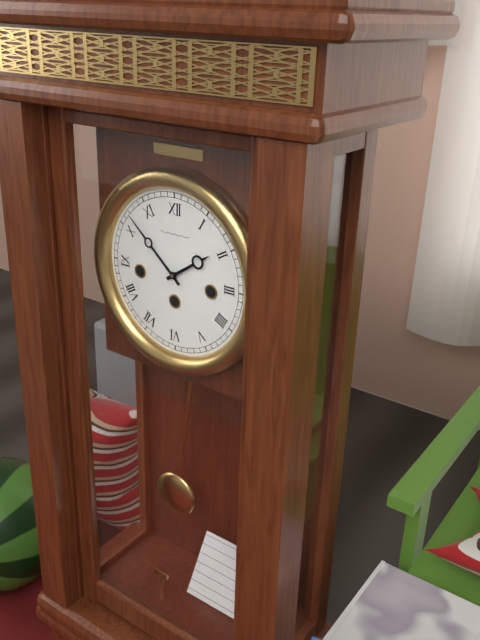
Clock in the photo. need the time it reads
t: 1:52
